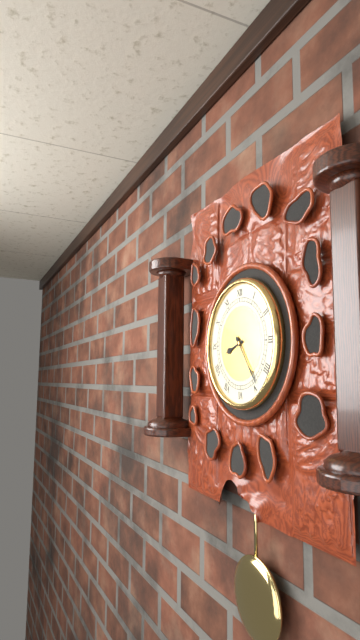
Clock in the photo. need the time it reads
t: 8:24
